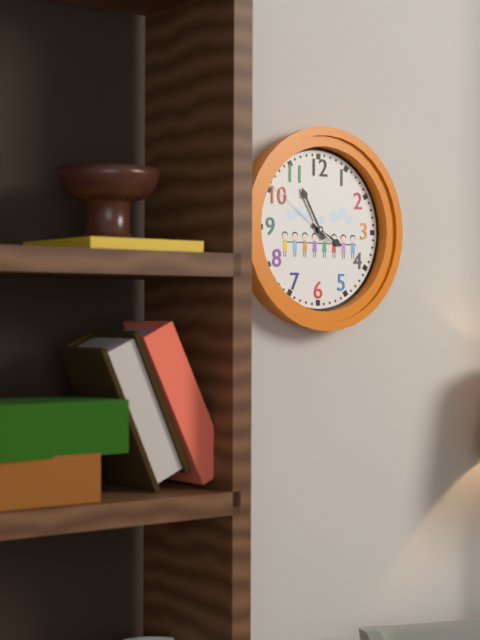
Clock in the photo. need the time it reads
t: 3:55:51
